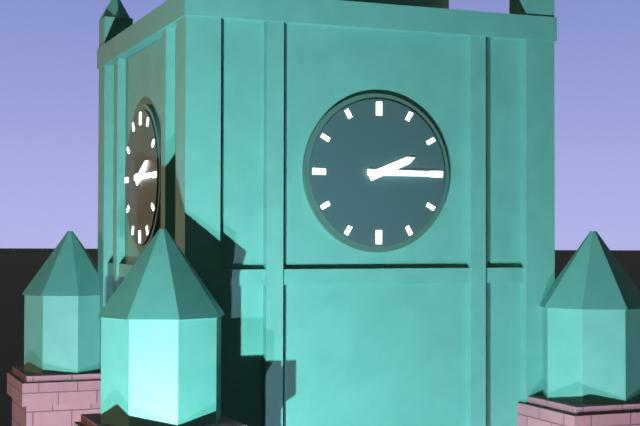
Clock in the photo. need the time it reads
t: 2:15
